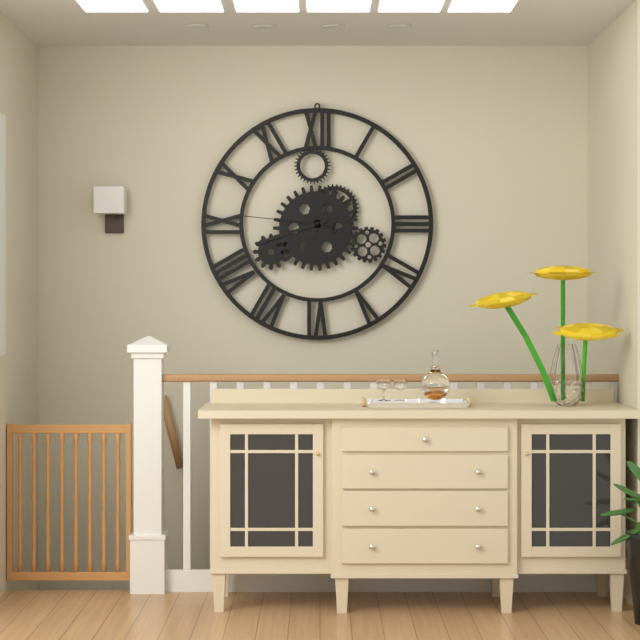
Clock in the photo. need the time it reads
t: 6:42:46
